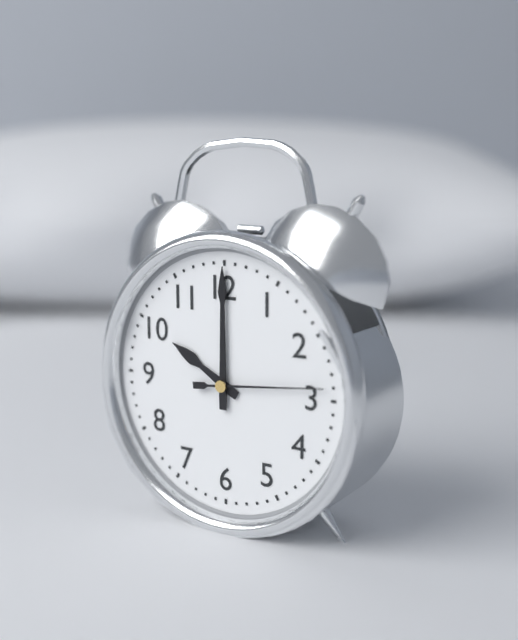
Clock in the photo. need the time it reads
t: 10:00:14
